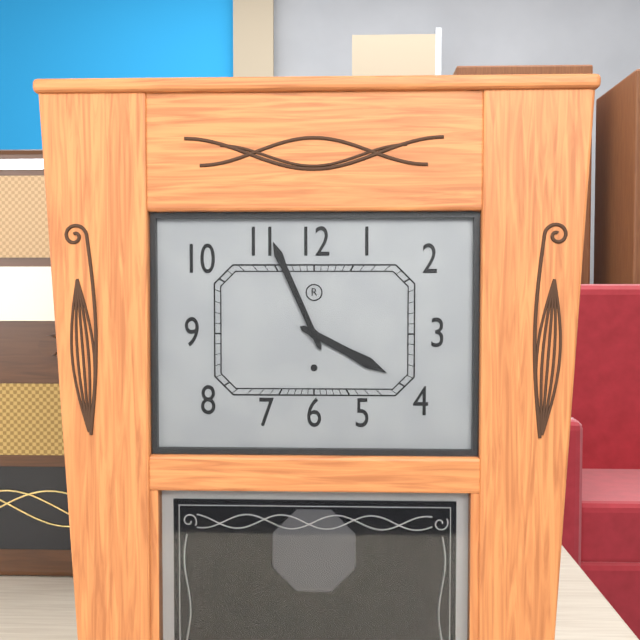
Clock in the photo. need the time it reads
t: 3:56
